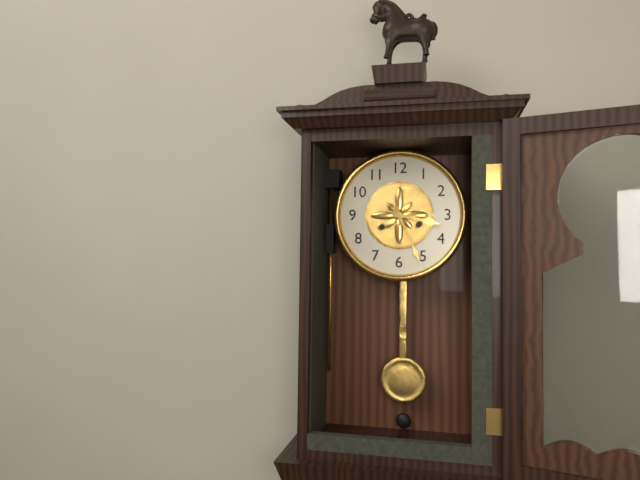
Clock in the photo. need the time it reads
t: 3:26
